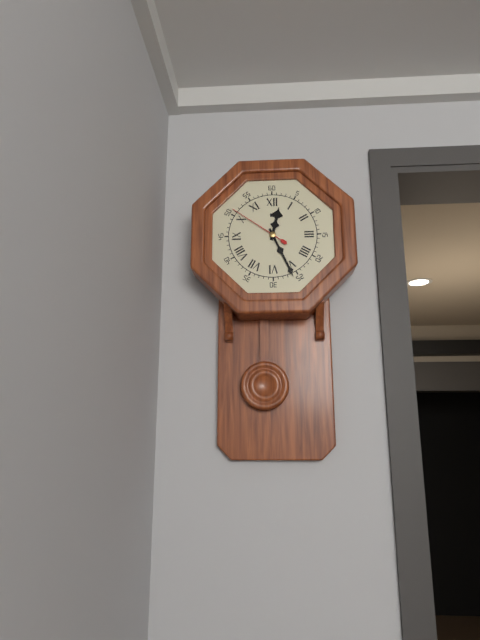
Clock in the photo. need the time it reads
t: 12:26:51
